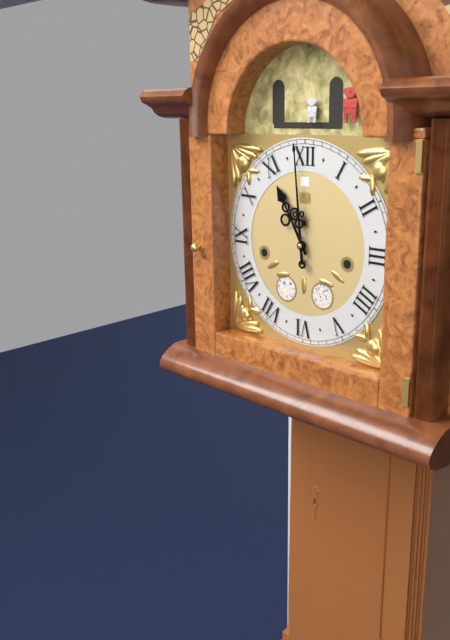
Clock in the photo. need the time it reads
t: 10:59
